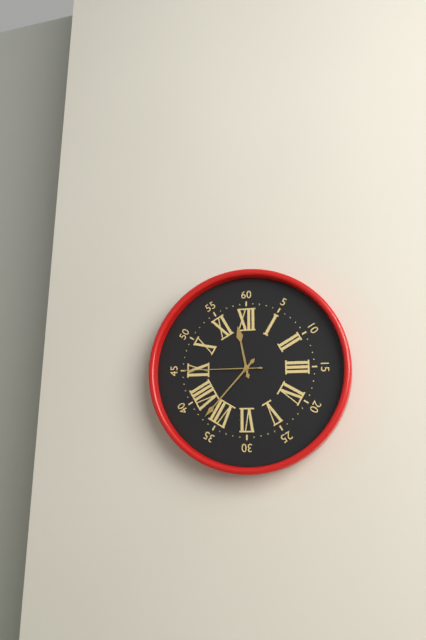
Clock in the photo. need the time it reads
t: 11:37:45
